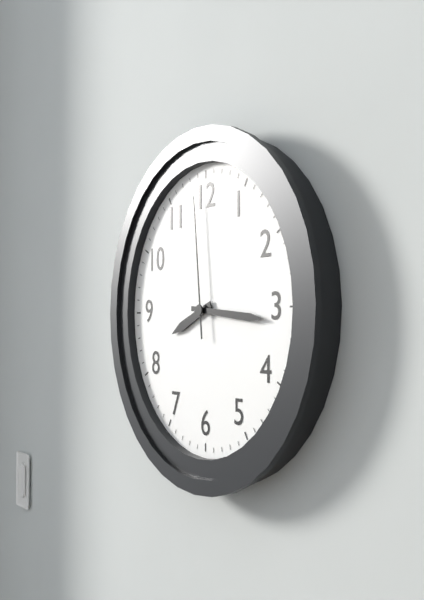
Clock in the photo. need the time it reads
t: 8:16:59
